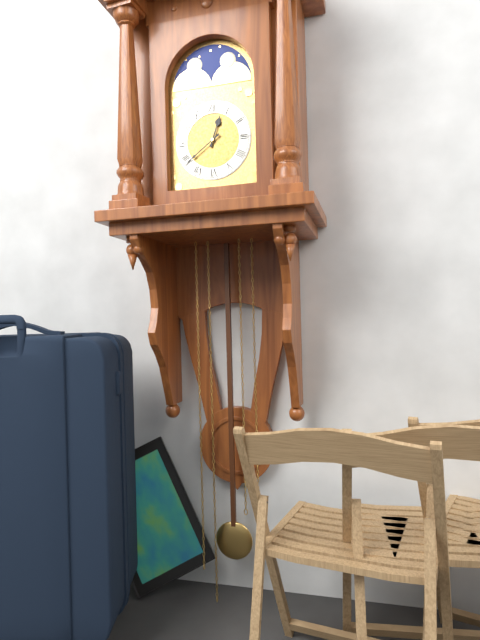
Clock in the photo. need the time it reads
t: 12:39
